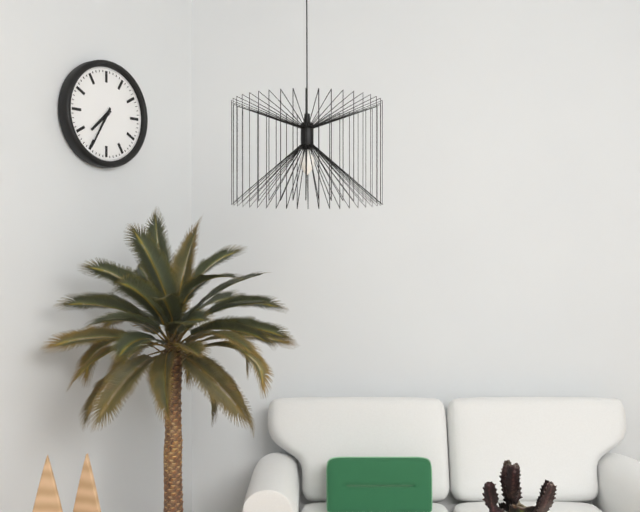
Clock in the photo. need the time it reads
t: 7:35
